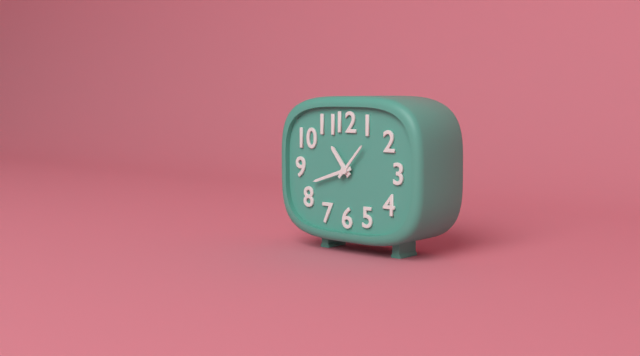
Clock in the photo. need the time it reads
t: 10:42
